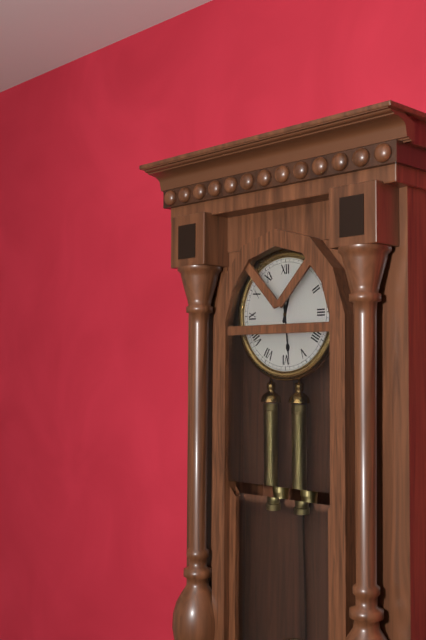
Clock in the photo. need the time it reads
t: 12:29
